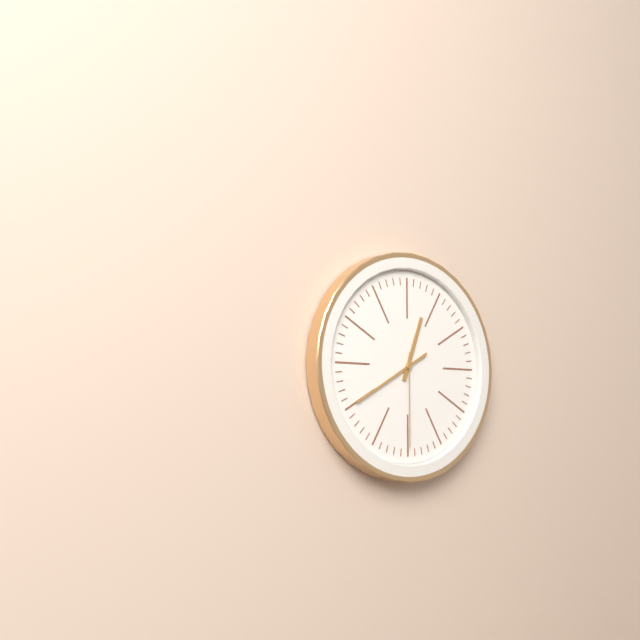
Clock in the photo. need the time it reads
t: 12:40:30
